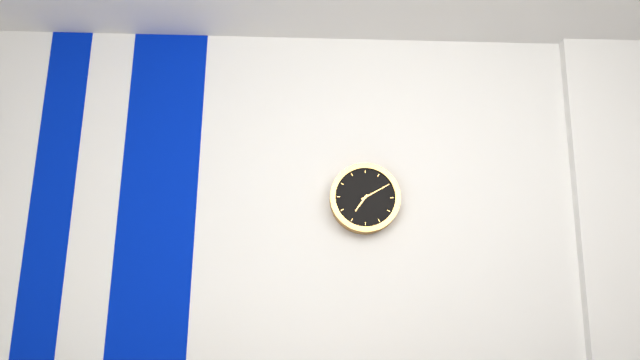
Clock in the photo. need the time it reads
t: 7:10
